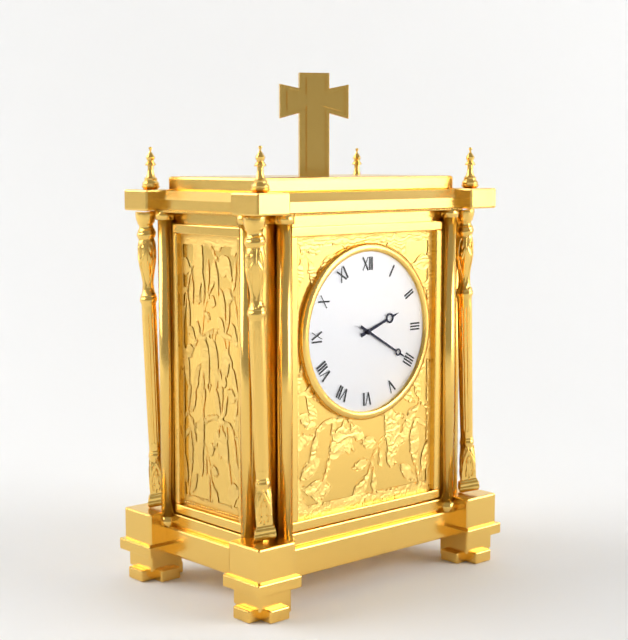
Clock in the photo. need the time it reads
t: 2:20
